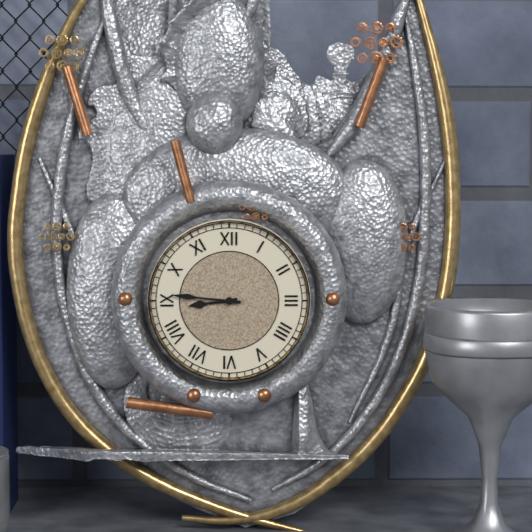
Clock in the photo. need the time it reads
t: 8:46
